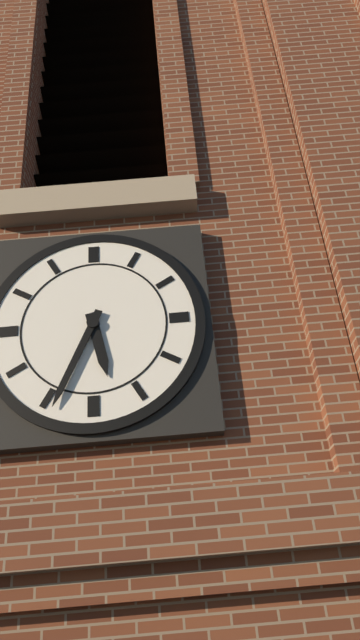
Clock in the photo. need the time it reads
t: 5:34
